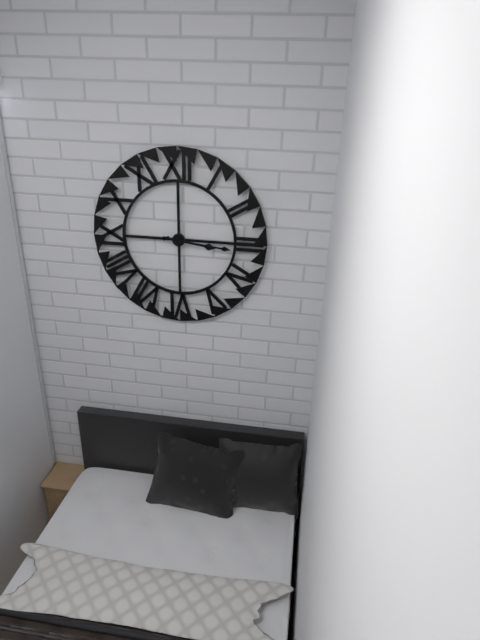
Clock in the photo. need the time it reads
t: 3:16
